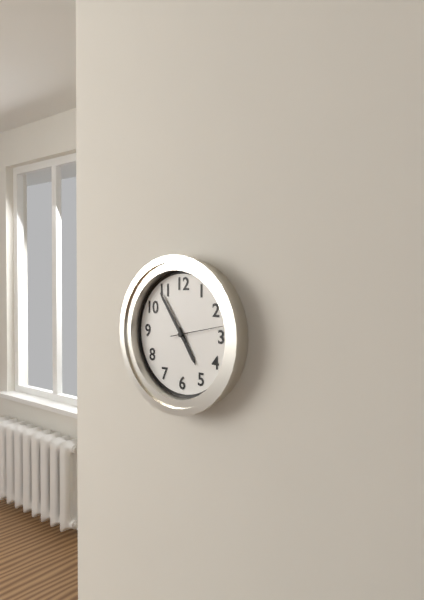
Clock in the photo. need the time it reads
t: 4:54:13
